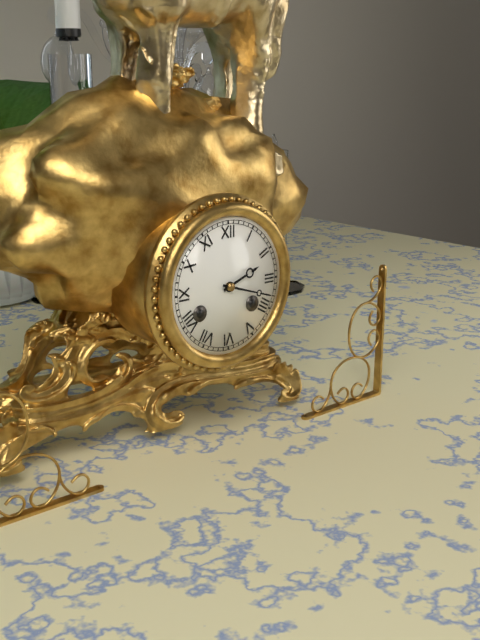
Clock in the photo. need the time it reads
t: 2:18
